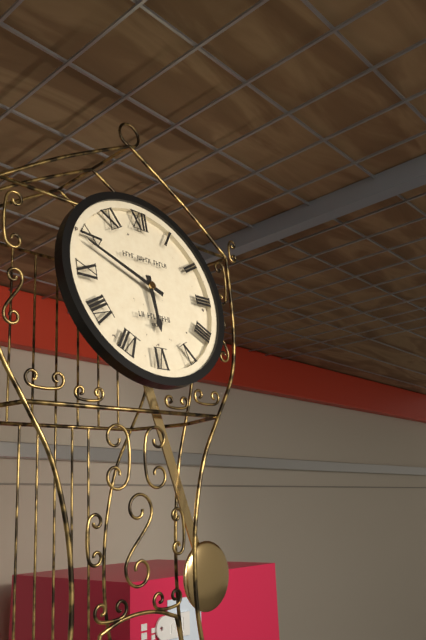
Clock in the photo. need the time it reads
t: 5:49
